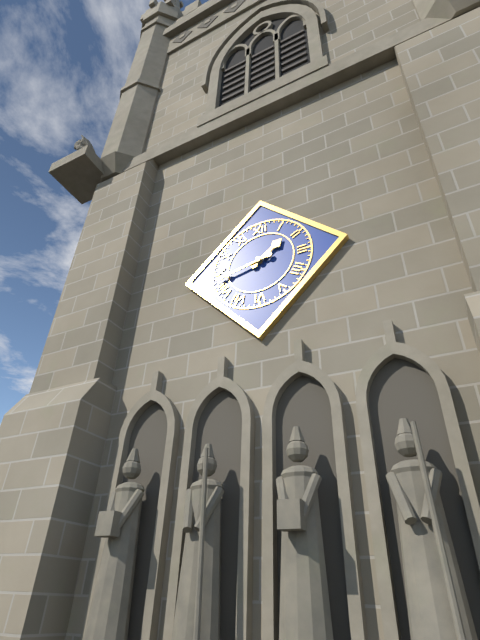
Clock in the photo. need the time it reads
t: 1:43
